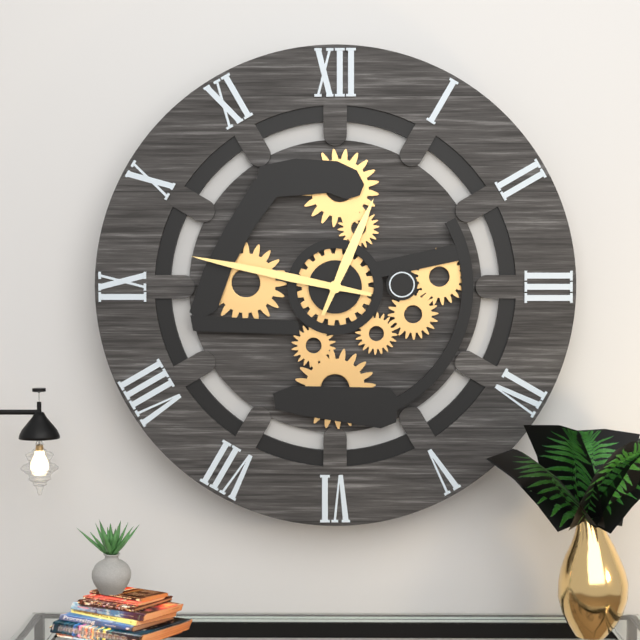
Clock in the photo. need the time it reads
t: 12:47
